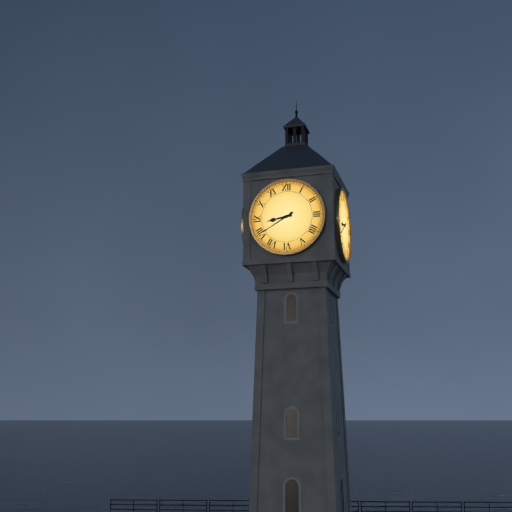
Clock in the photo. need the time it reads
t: 8:40
